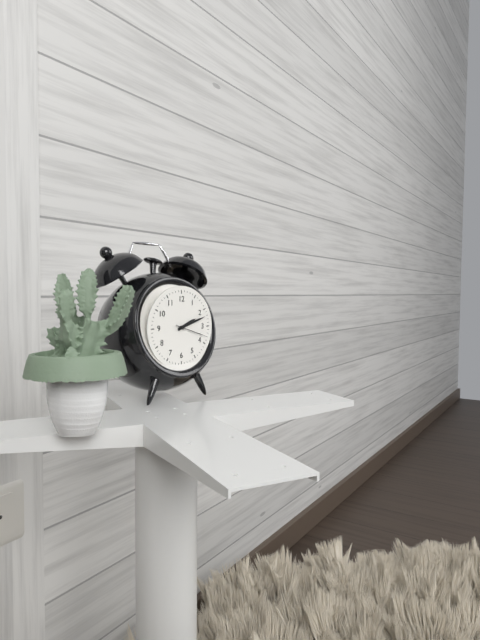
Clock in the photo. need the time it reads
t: 2:12
